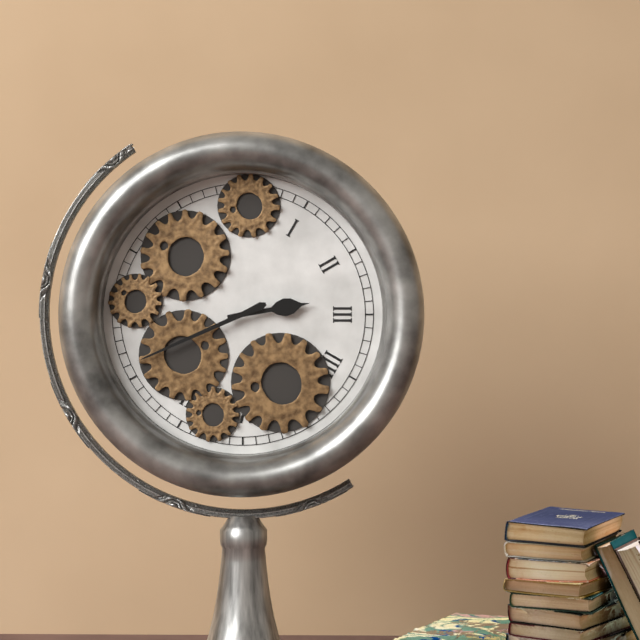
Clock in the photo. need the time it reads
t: 2:41
